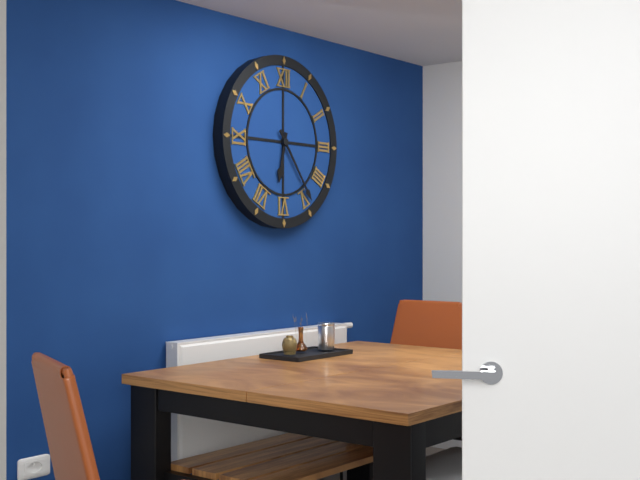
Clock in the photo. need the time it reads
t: 6:24
